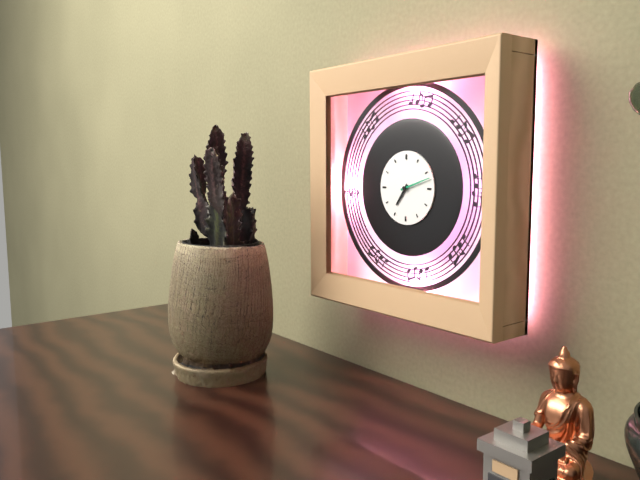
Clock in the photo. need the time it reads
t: 7:12
